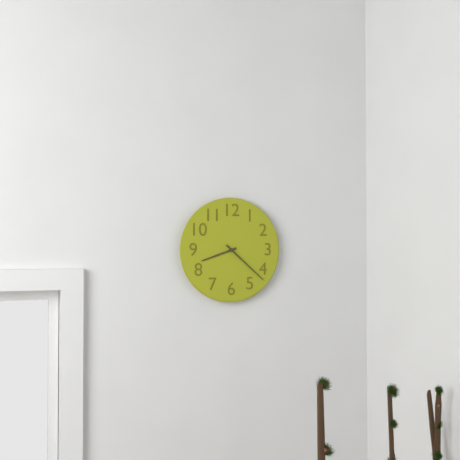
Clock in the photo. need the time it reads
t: 8:22
